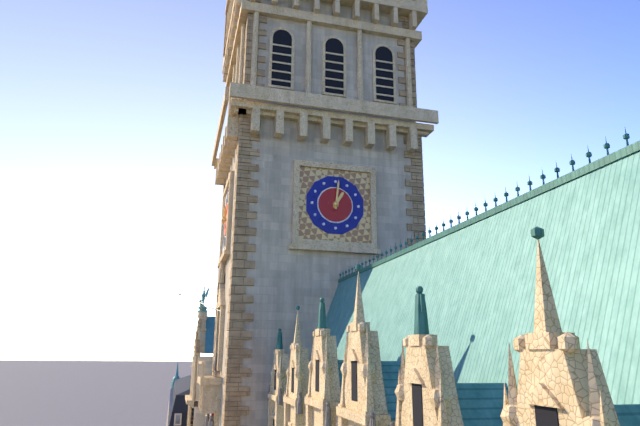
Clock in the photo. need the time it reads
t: 1:01
